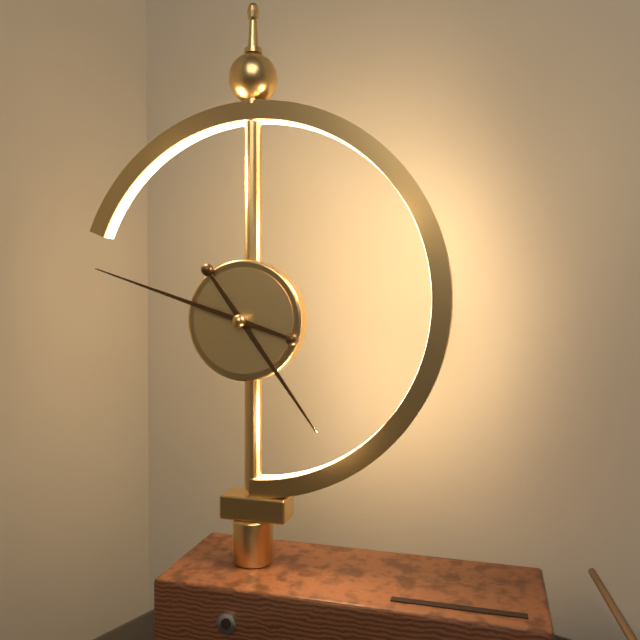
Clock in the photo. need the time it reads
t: 4:48
